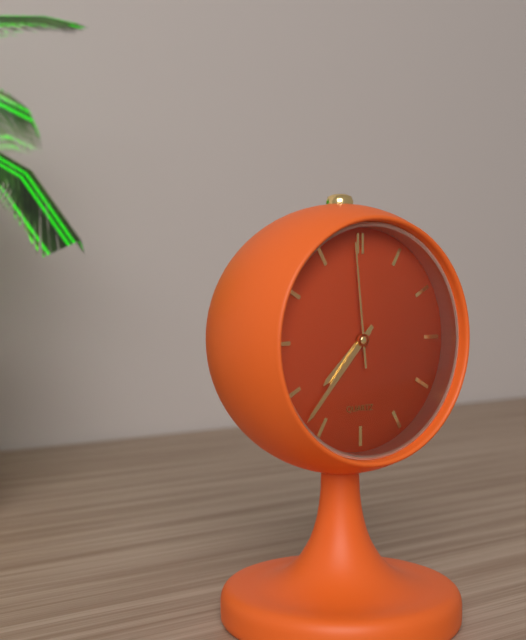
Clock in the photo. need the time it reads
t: 7:37:59
